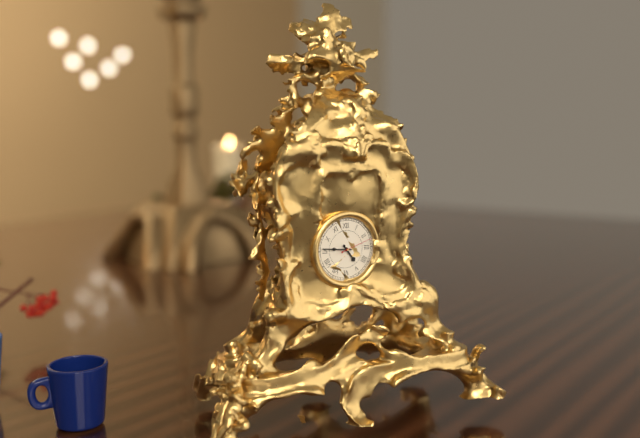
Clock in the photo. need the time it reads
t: 4:46
